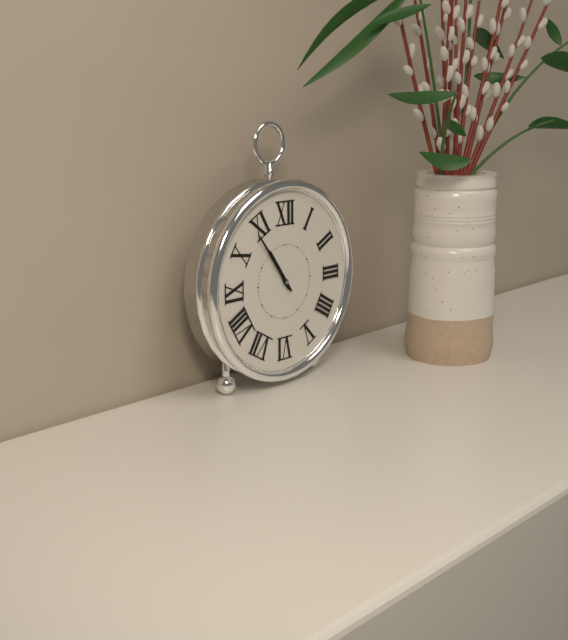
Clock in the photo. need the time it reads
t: 10:54
